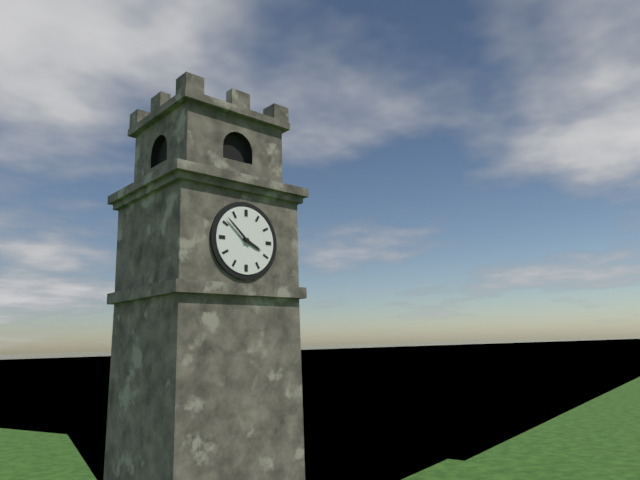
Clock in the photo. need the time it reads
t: 3:52
